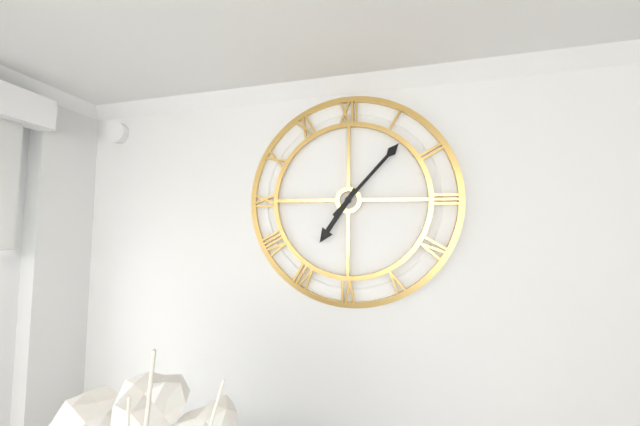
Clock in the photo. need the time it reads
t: 7:07
